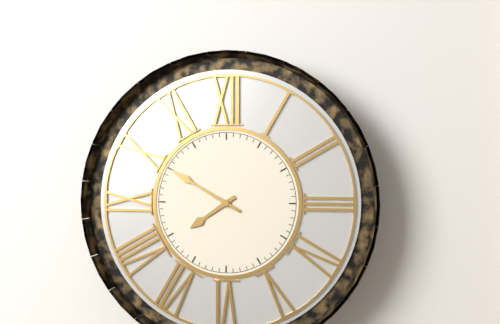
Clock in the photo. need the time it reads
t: 7:50
